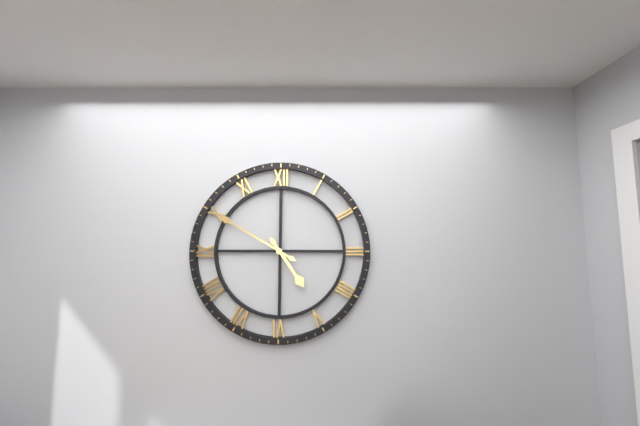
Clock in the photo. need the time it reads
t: 4:50
